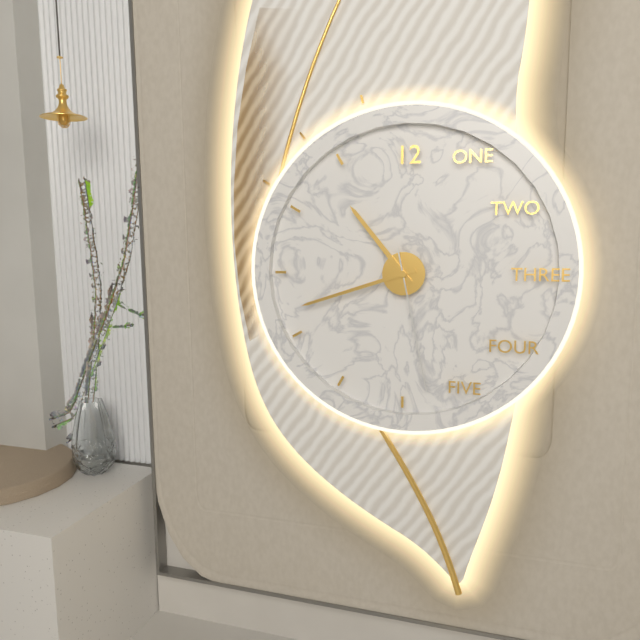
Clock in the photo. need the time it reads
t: 10:42:28
